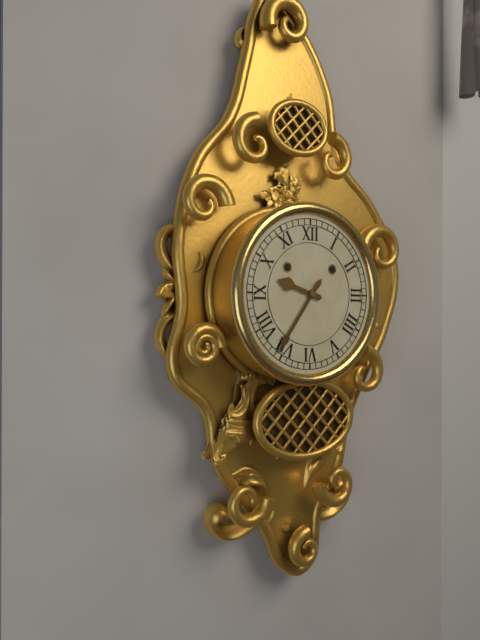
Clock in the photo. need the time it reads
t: 9:36
